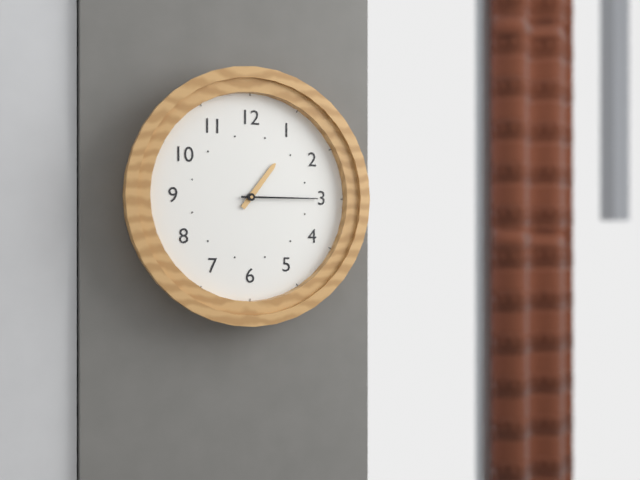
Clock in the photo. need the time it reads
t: 1:15
